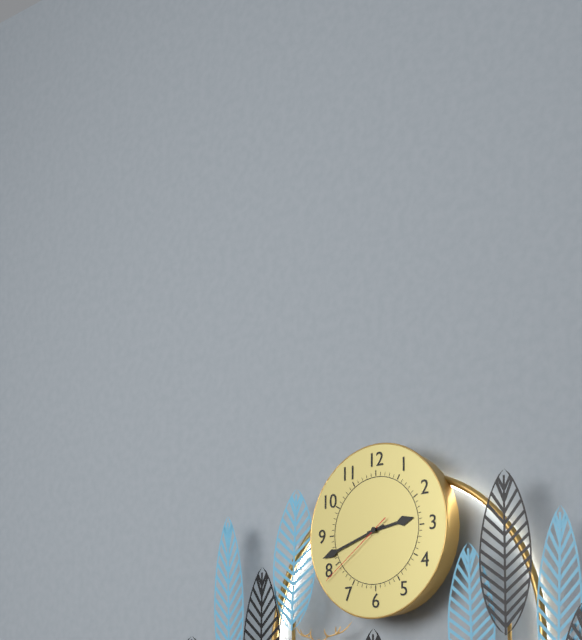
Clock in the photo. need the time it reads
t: 2:42:39
